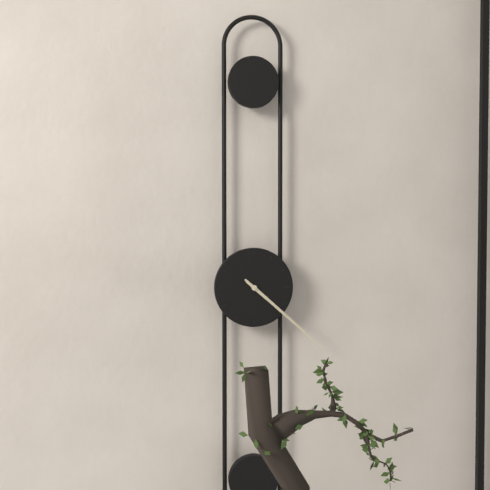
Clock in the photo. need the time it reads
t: 4:22
